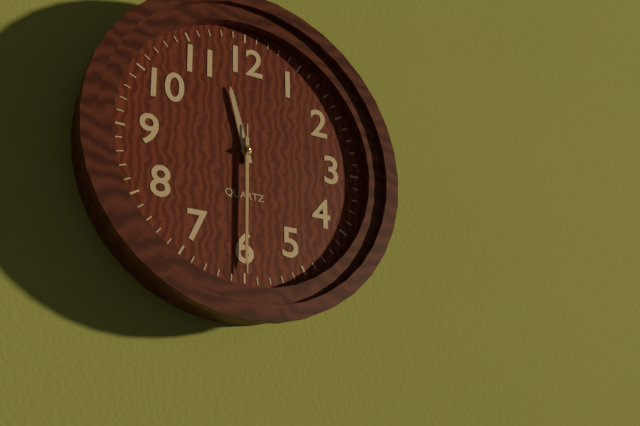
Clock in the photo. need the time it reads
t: 11:30:30
